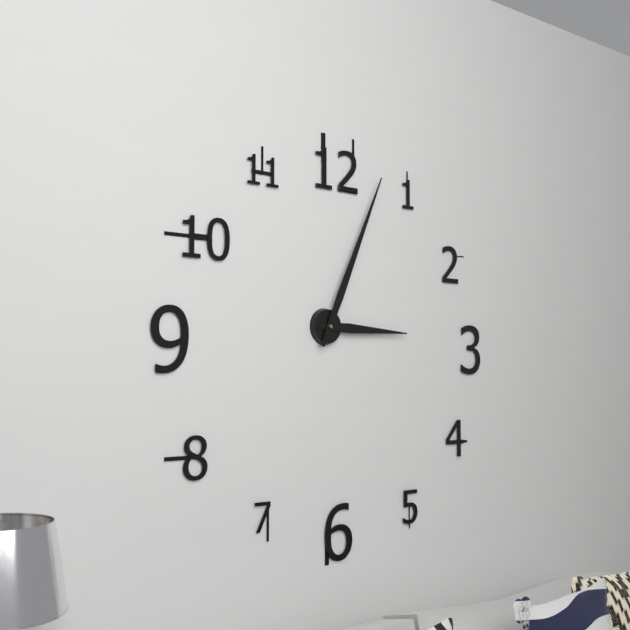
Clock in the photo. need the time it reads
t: 3:04
